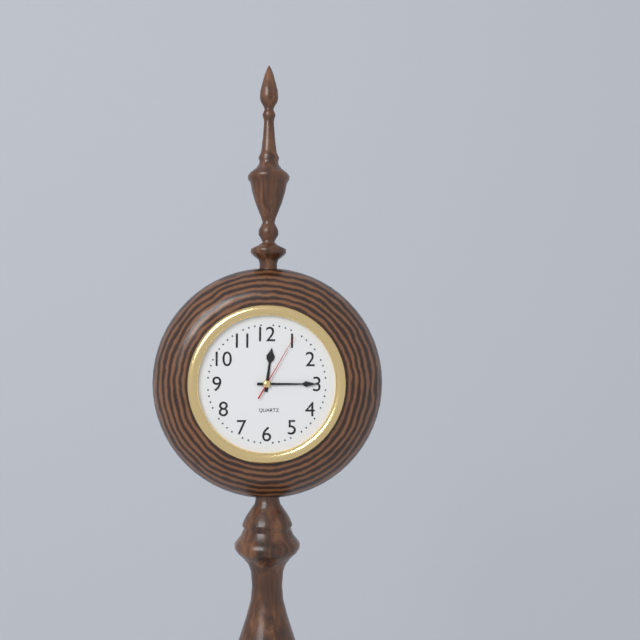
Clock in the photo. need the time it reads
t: 12:15:05
